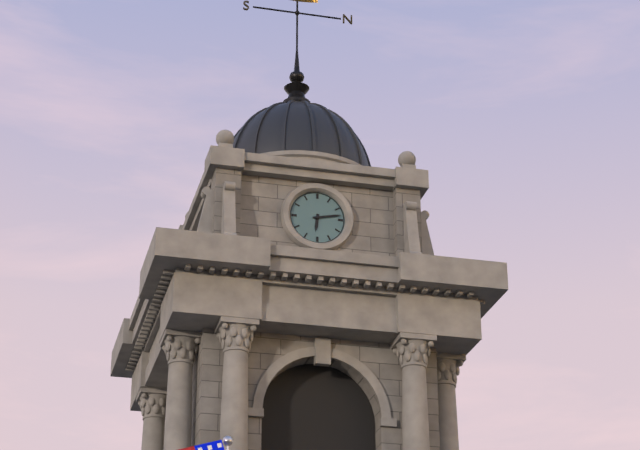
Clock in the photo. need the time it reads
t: 6:13
